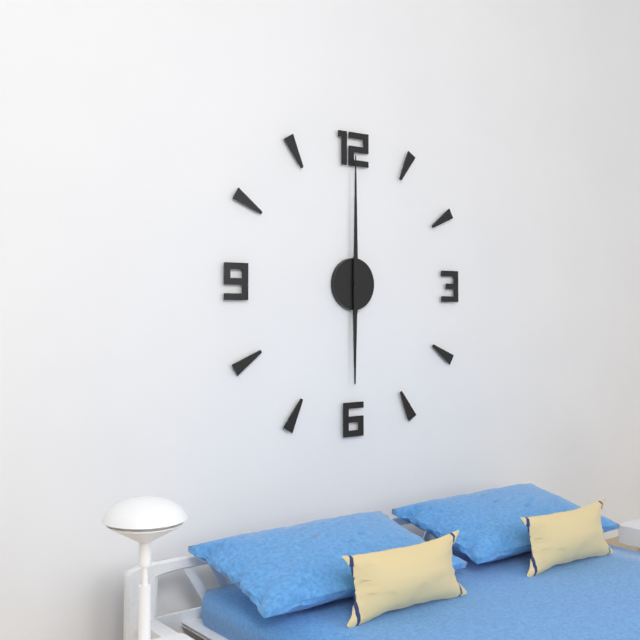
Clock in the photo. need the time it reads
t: 6:00
